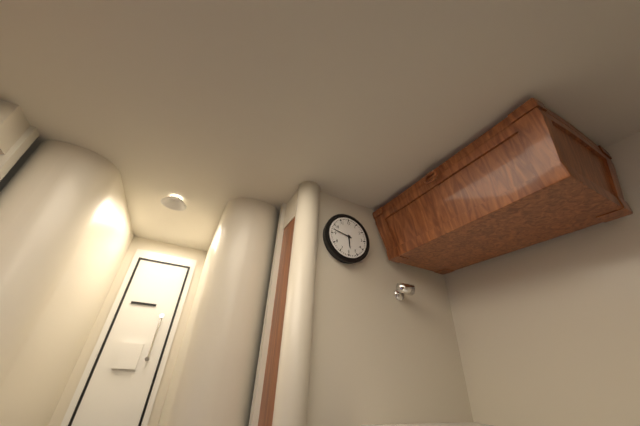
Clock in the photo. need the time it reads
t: 5:47
